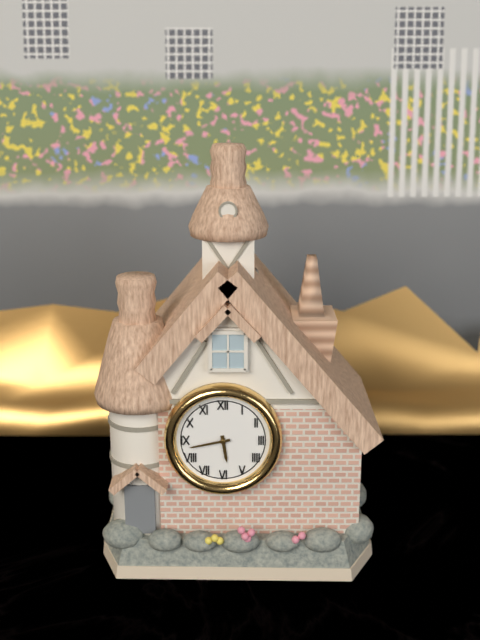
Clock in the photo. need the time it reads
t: 5:43
